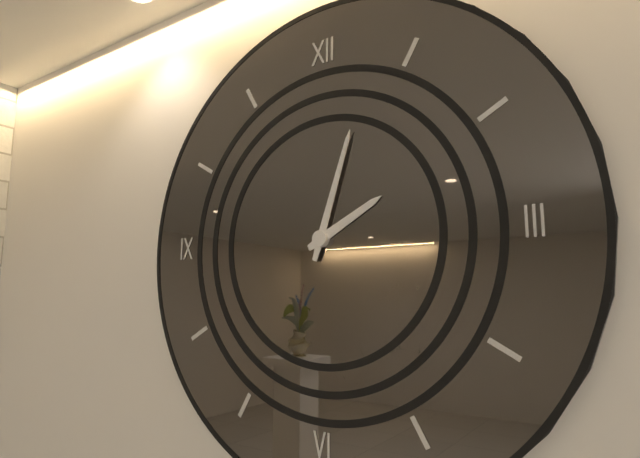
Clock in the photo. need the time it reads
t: 2:03
